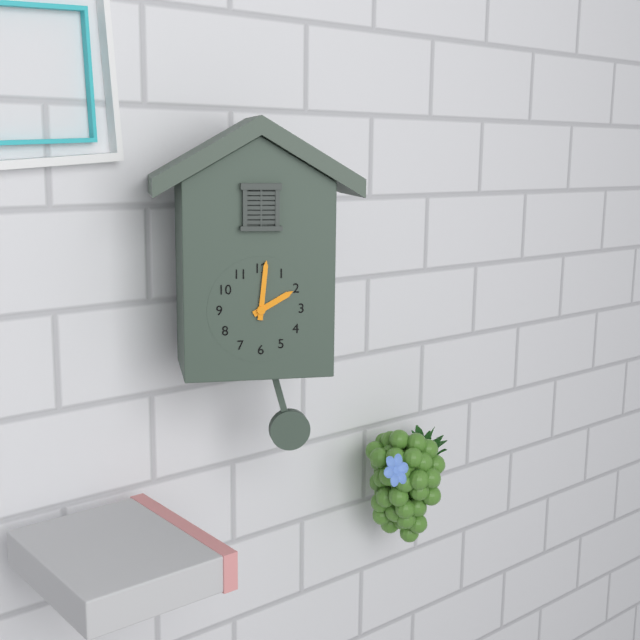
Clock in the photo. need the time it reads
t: 2:01
